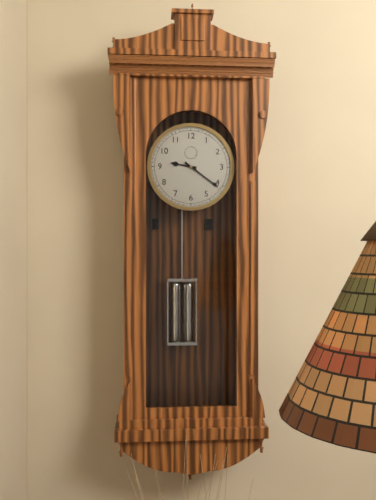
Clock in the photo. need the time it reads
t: 9:21
